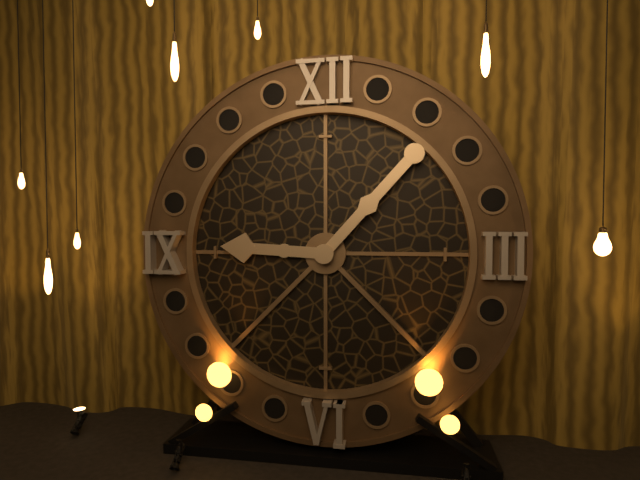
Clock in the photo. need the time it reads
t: 9:07
